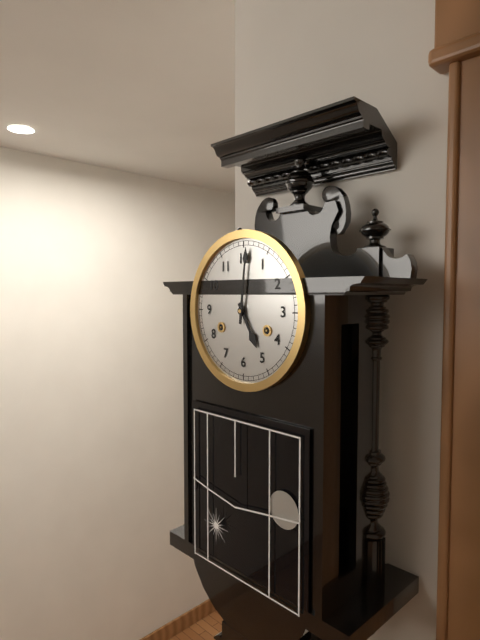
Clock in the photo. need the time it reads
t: 5:01
